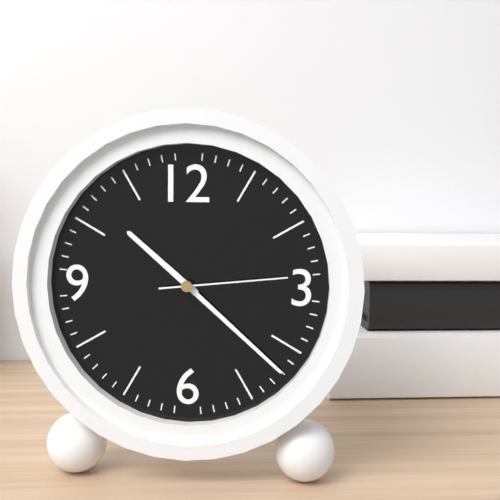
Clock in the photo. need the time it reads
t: 10:22:14
